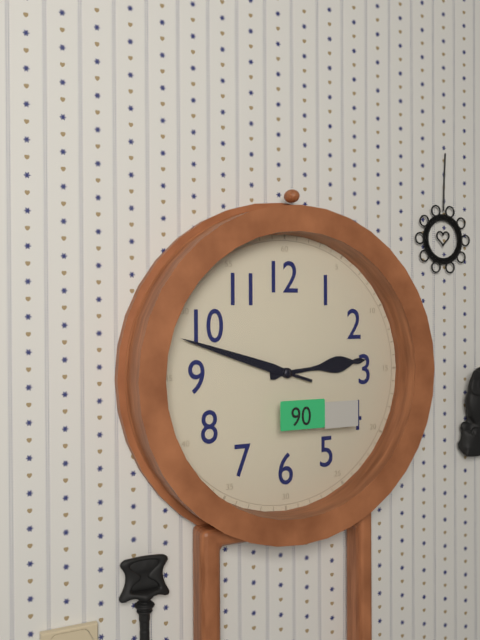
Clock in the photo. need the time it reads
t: 2:48
